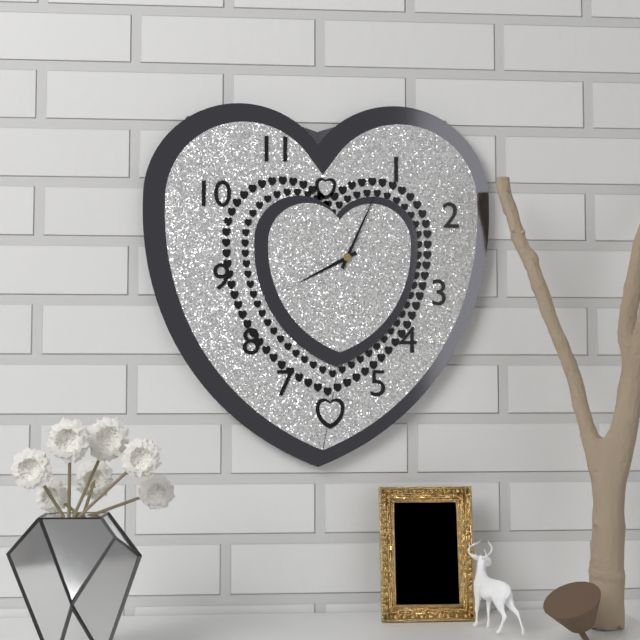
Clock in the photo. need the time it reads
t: 8:04
